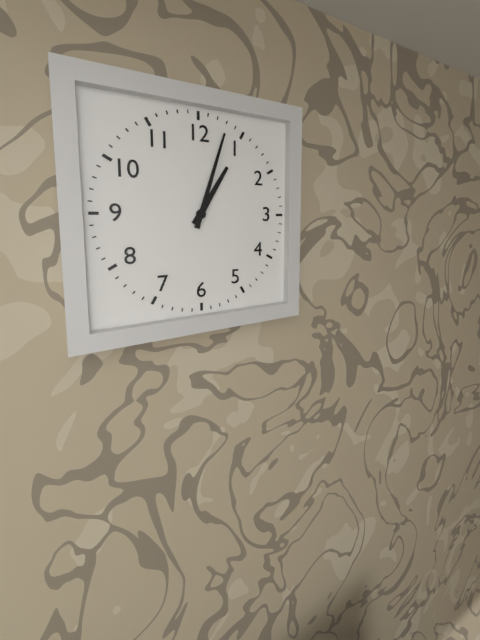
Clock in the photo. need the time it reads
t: 1:03
